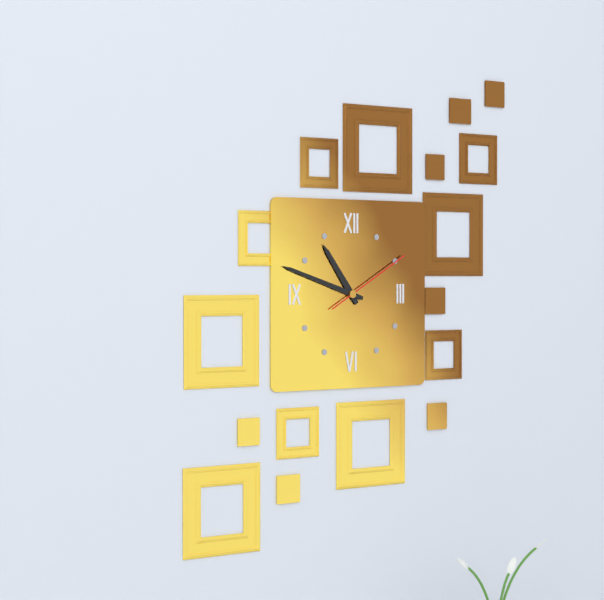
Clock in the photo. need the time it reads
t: 10:48:10
